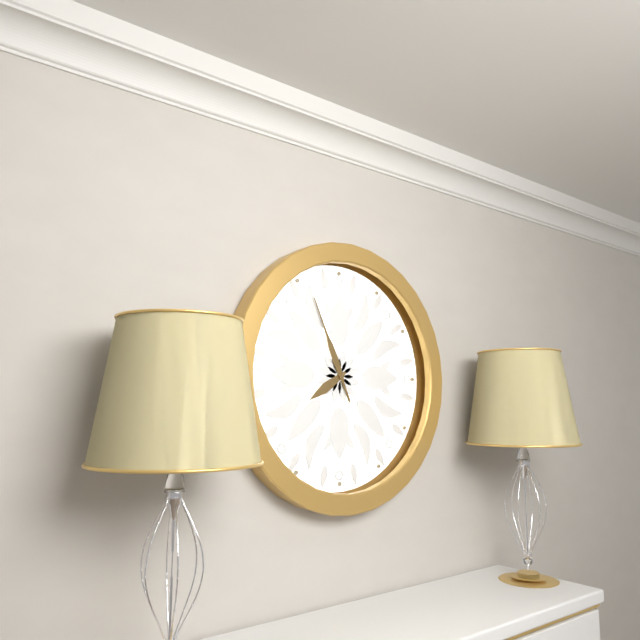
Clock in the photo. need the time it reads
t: 7:56
